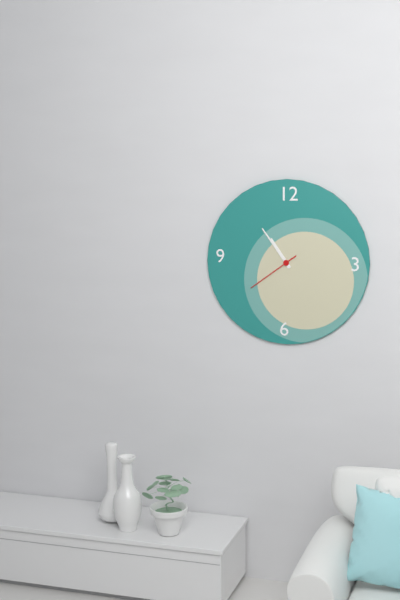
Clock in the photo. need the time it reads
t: 10:54:39
